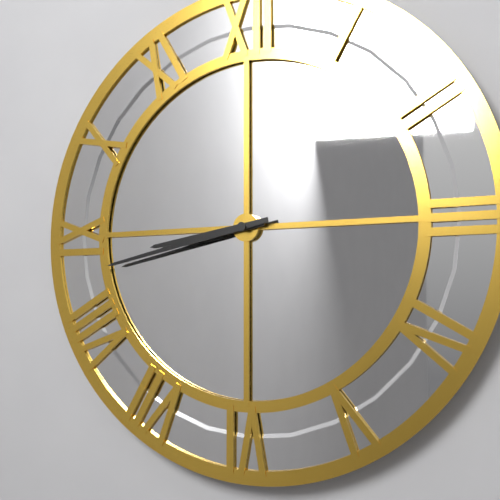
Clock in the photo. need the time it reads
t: 8:43
